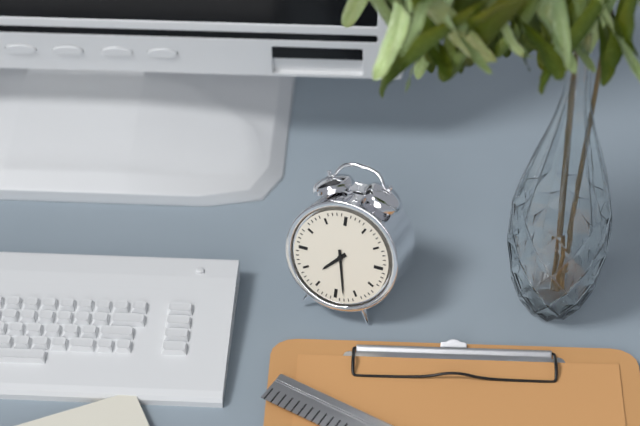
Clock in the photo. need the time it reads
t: 7:28
